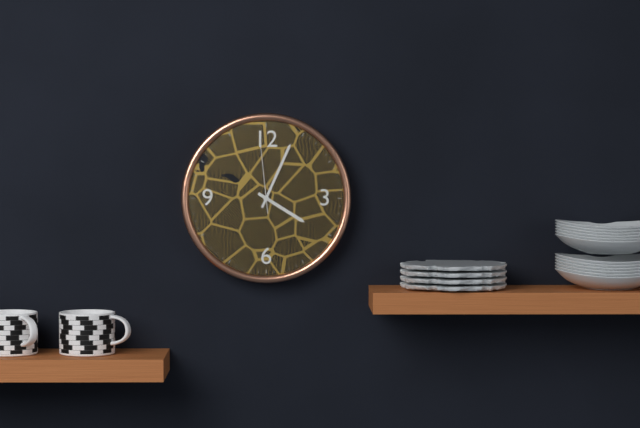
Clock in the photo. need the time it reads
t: 4:04:59
